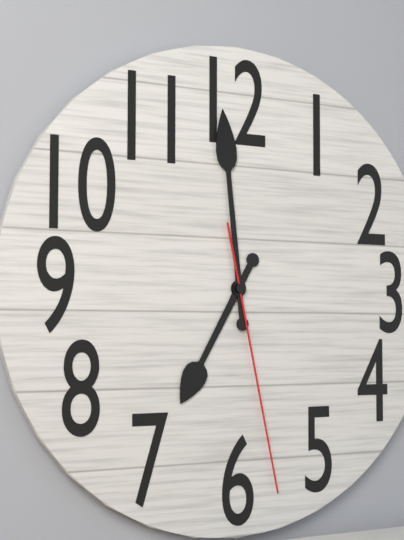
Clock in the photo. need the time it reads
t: 6:59:28
